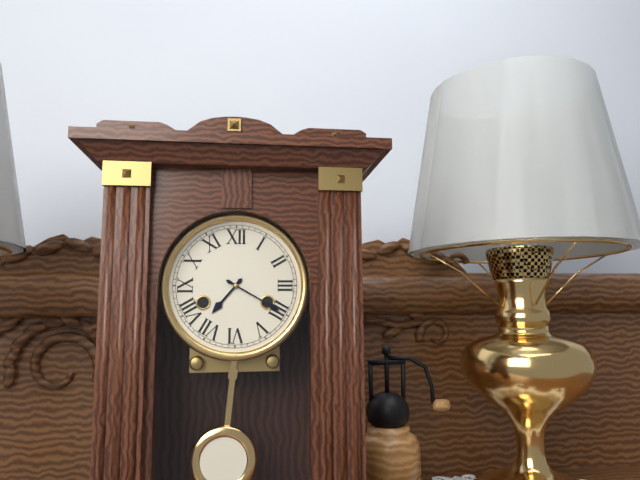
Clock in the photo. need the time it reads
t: 7:20
